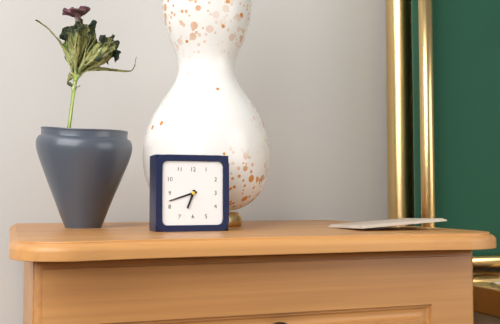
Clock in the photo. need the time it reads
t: 6:42
